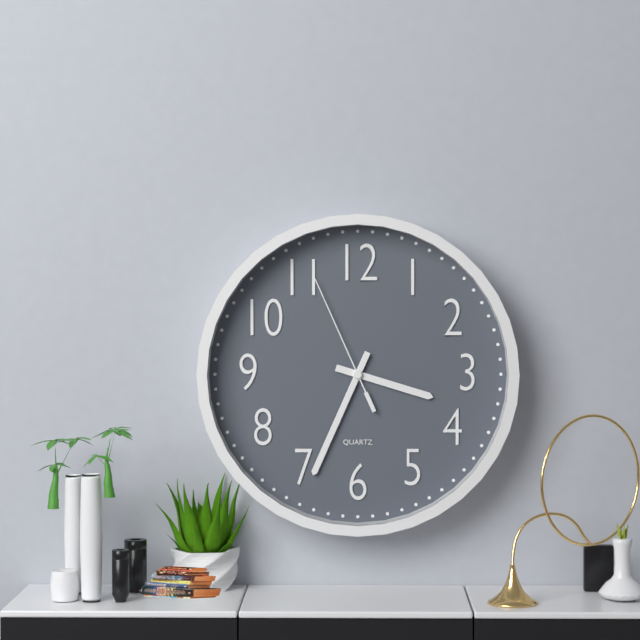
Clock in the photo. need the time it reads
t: 3:34:56
